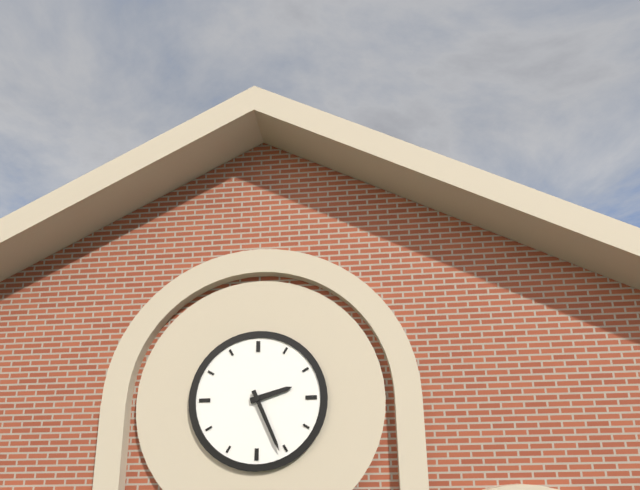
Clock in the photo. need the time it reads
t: 2:26
